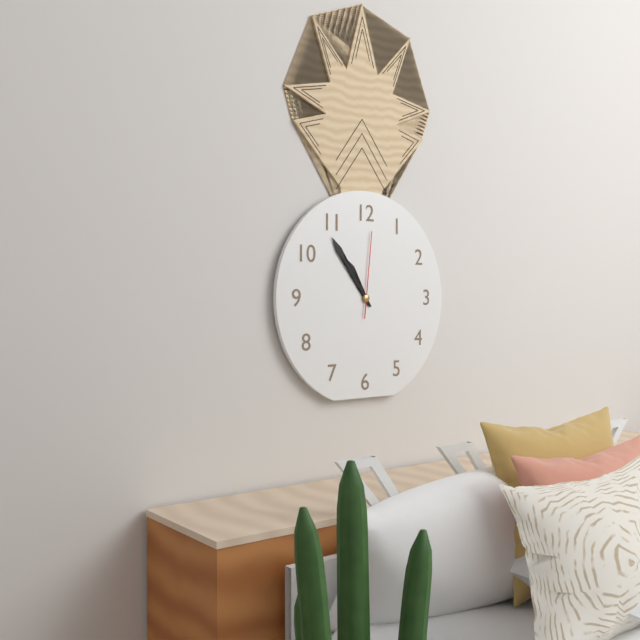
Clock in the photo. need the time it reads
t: 10:54:01
